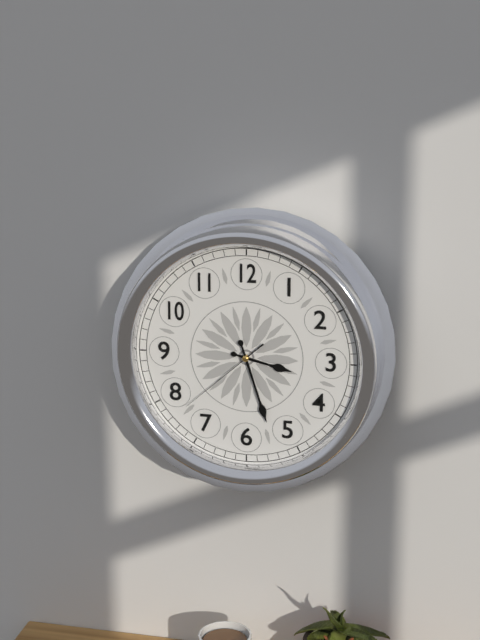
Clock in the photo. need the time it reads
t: 3:27:38
